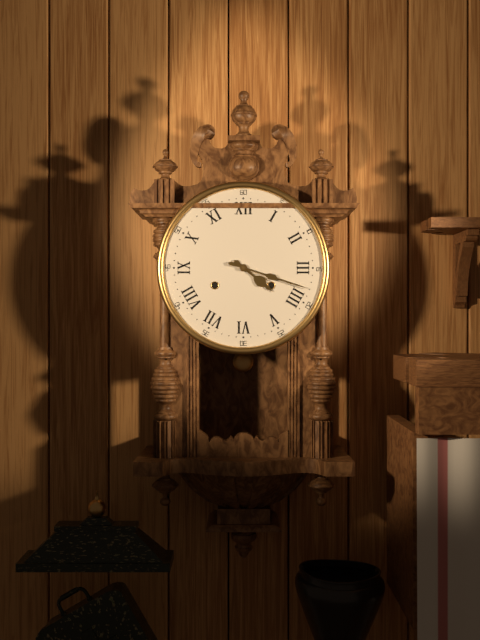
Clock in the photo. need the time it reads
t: 4:18
